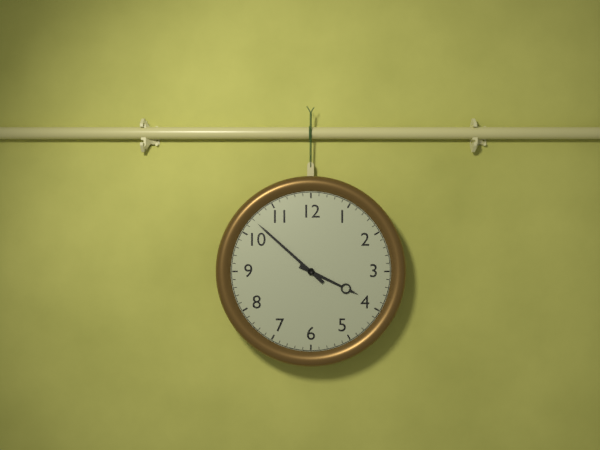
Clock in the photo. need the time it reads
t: 3:52
